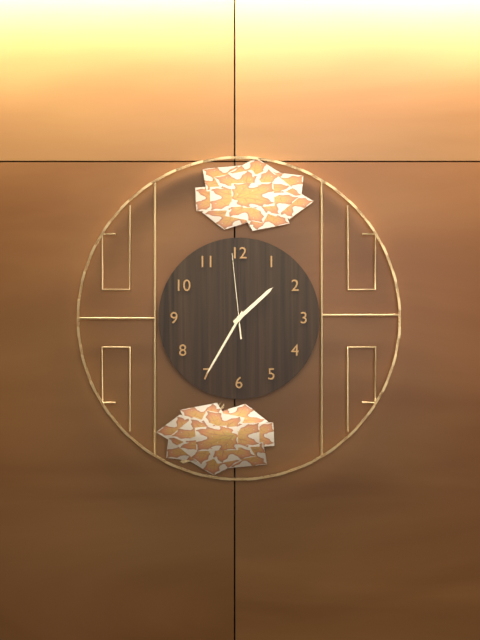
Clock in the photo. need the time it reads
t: 1:35:59
